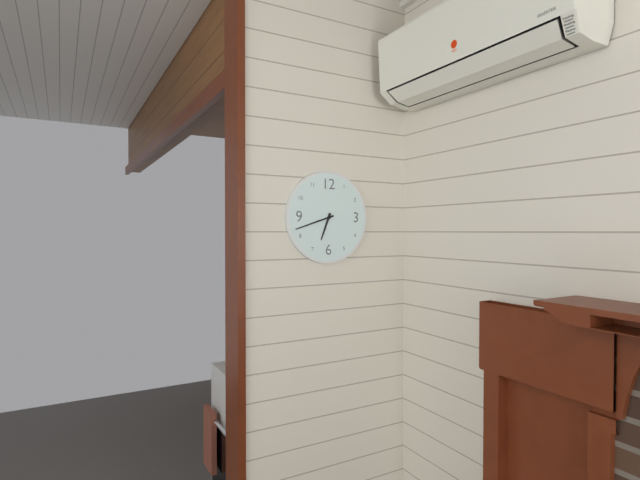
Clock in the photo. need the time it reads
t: 6:42
